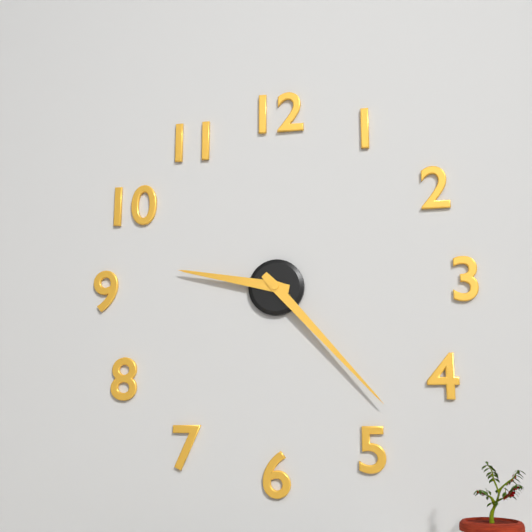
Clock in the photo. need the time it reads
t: 9:23
